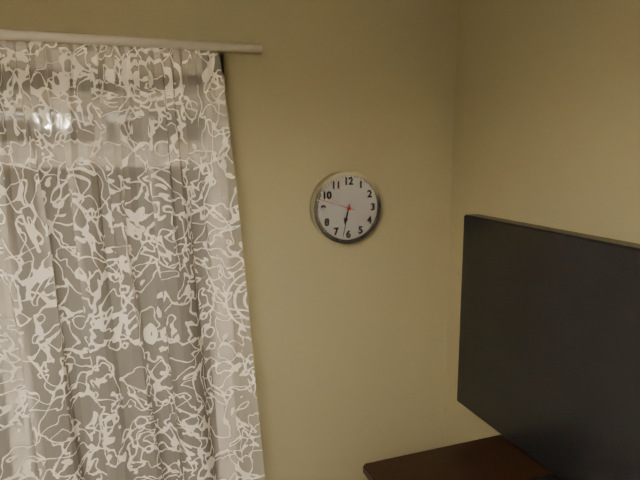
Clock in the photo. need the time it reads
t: 6:32
